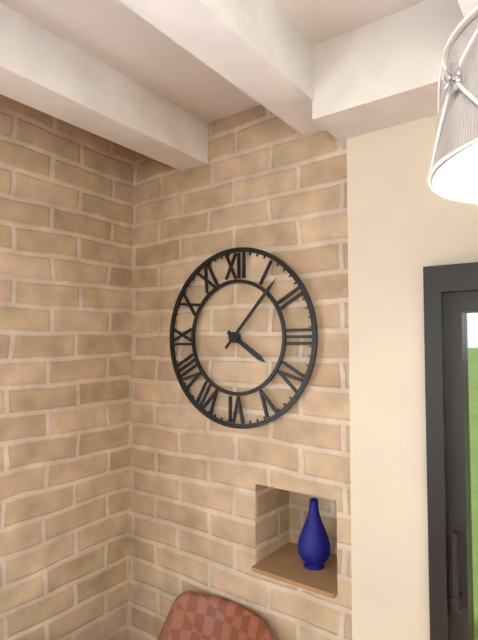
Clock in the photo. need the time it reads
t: 4:07
